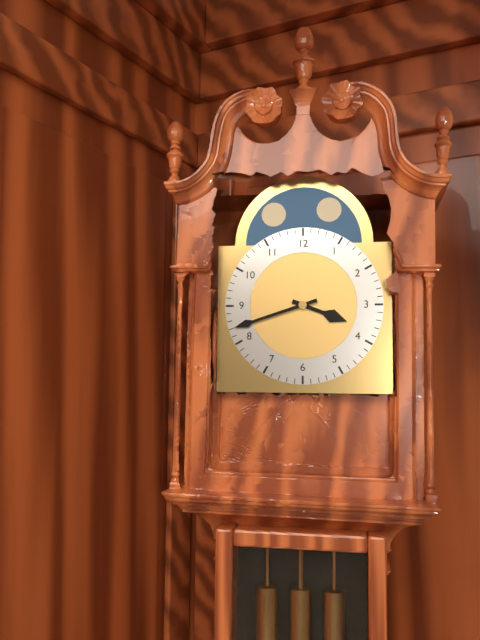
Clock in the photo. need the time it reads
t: 3:42
